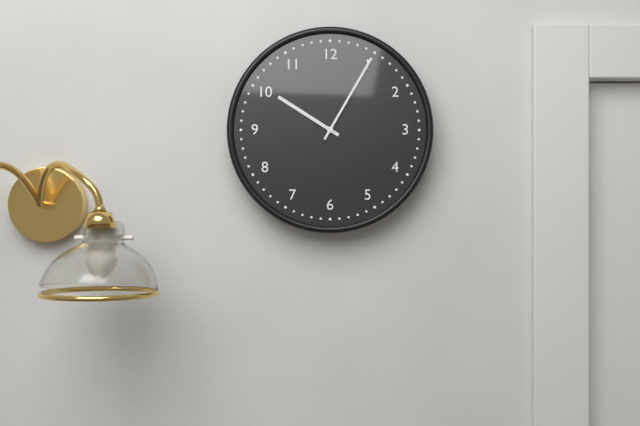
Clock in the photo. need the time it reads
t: 10:05
